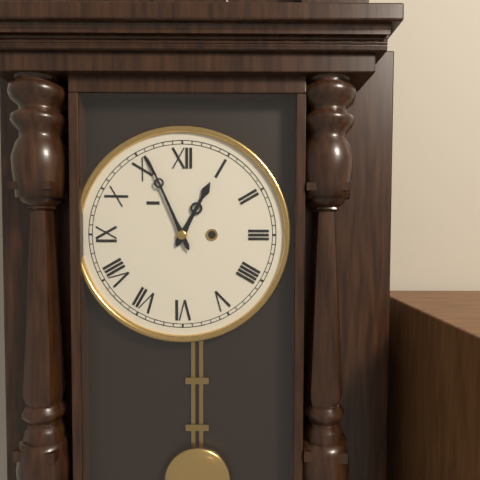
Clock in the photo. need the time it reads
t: 12:56
